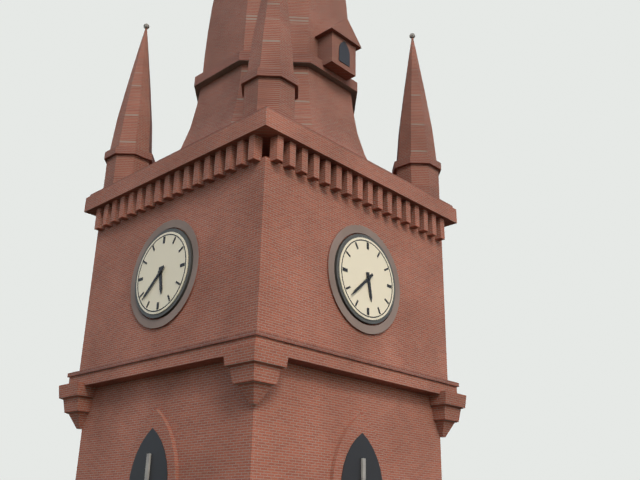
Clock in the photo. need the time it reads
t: 5:38
